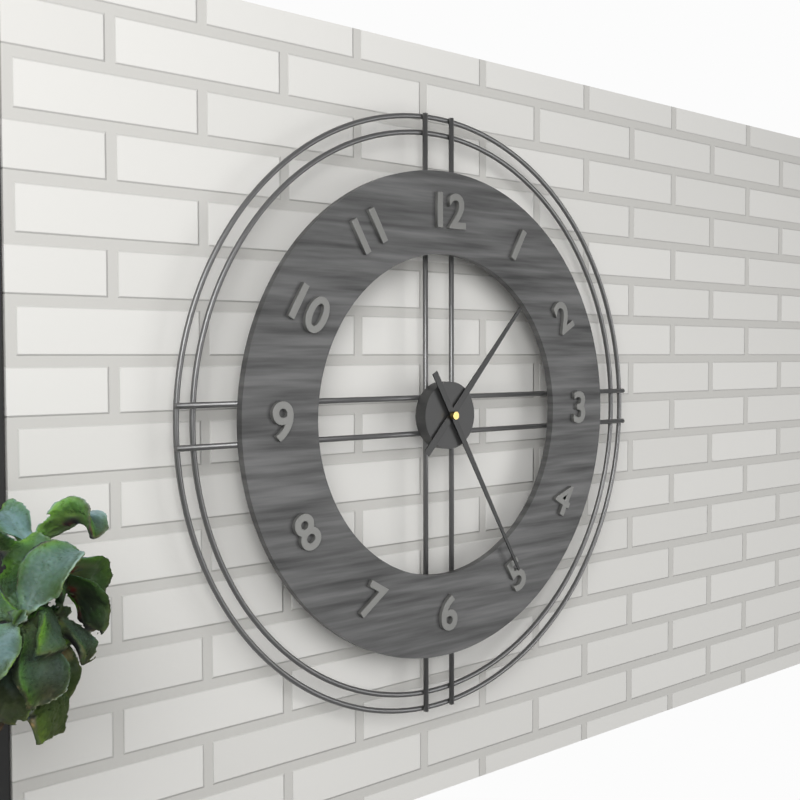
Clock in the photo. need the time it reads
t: 1:25
